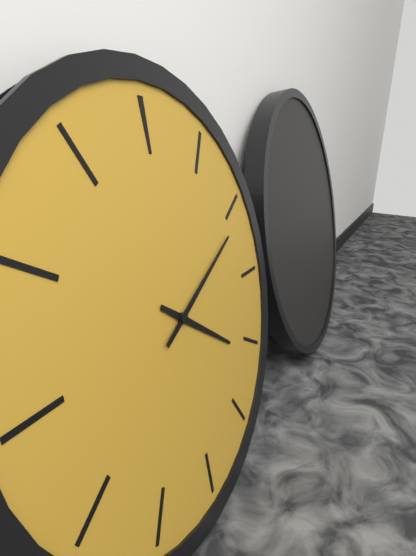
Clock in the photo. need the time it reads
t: 4:11
